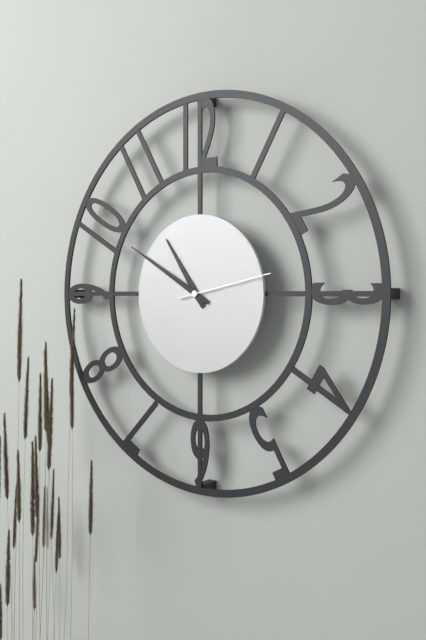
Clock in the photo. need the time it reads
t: 10:50:13
